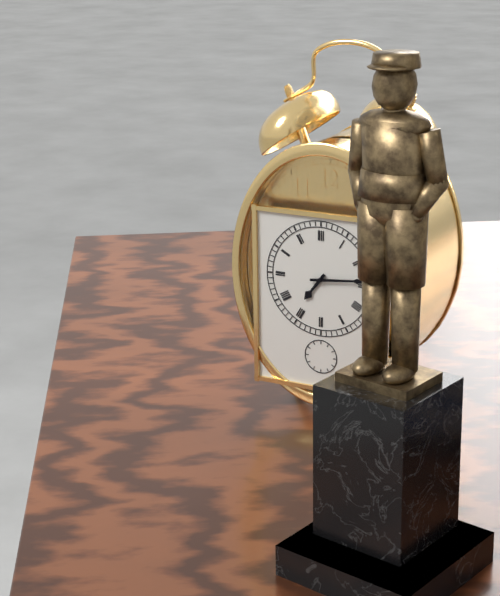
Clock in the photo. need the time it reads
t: 7:14
